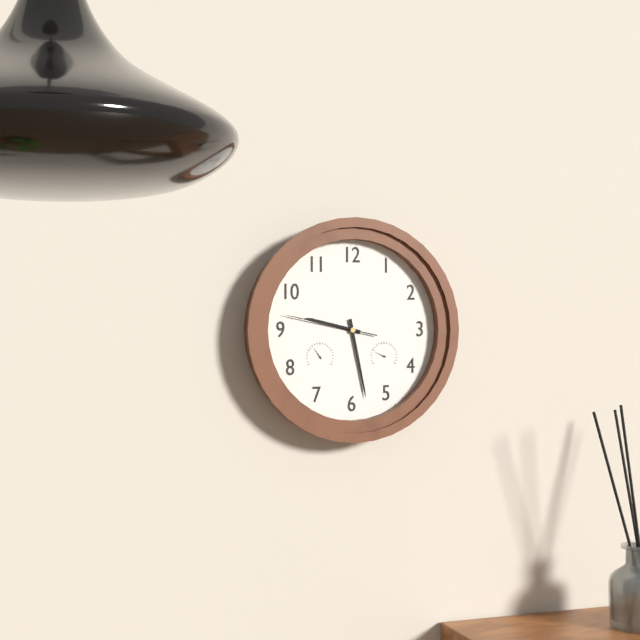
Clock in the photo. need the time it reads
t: 9:28:47
